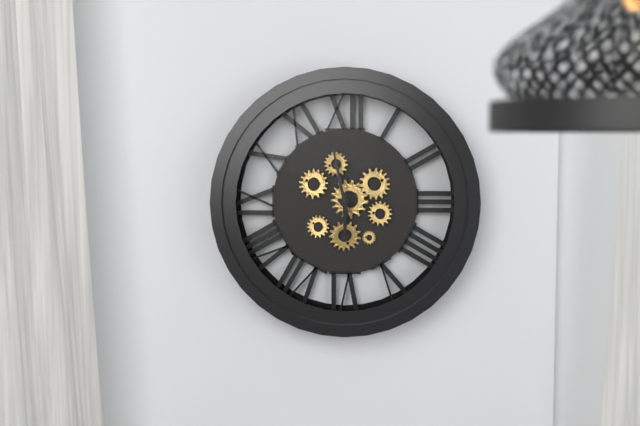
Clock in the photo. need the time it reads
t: 5:58
